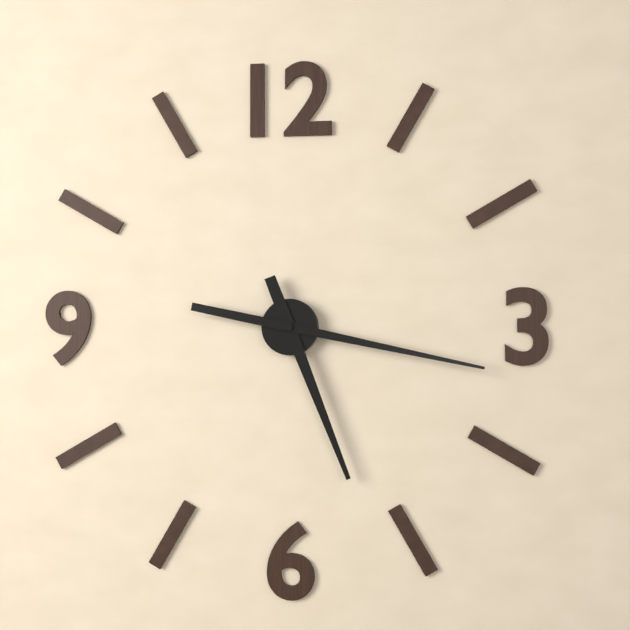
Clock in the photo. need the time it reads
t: 5:17
